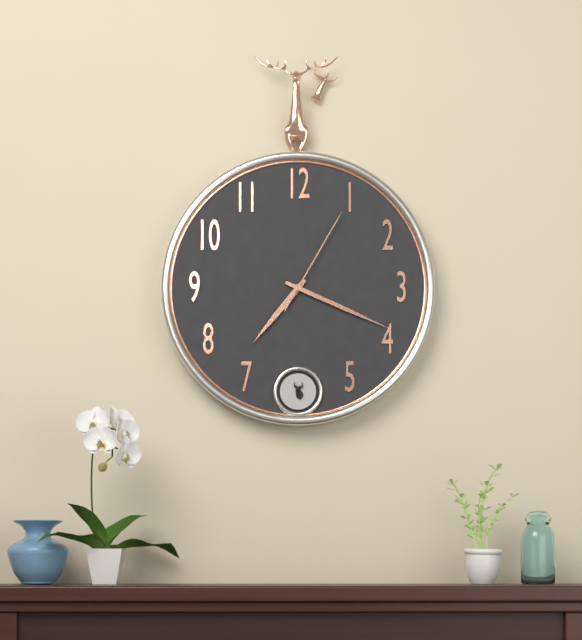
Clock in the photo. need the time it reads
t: 7:19:05
